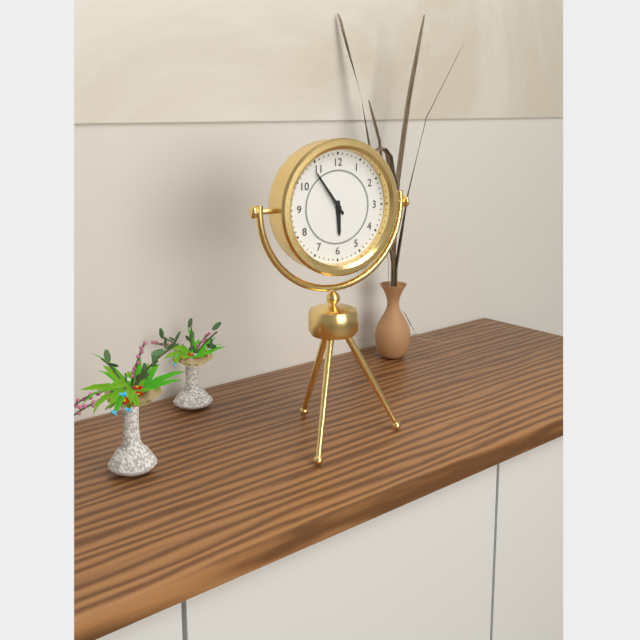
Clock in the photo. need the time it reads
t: 5:54
